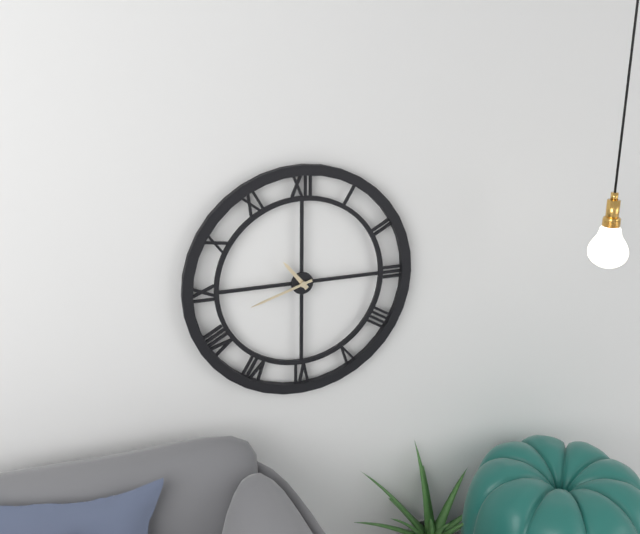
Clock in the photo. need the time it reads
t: 10:42
